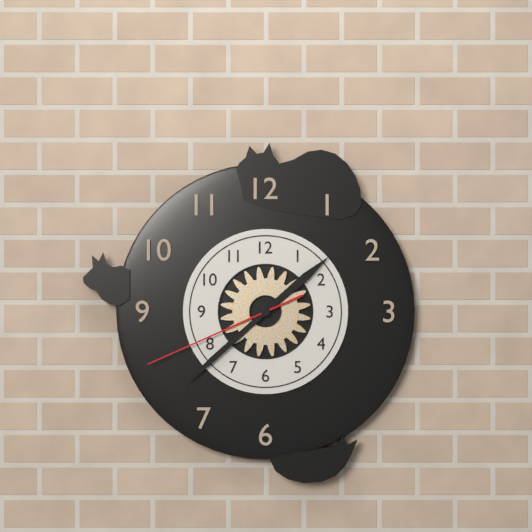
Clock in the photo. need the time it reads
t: 1:38:41
